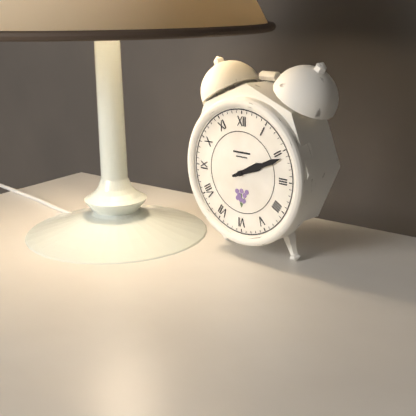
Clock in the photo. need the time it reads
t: 2:11
